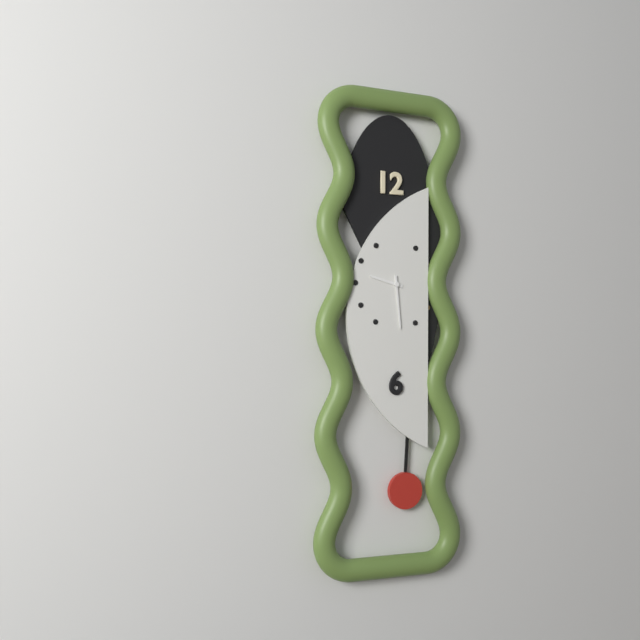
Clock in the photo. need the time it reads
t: 9:29
